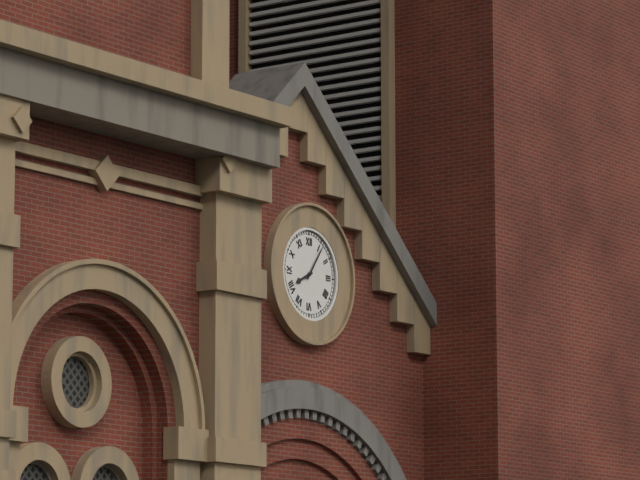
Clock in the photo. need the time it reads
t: 8:06
